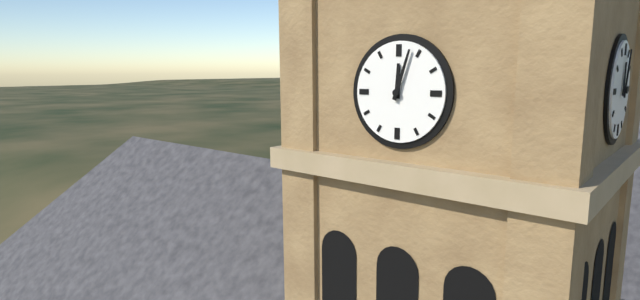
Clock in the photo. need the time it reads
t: 12:03
